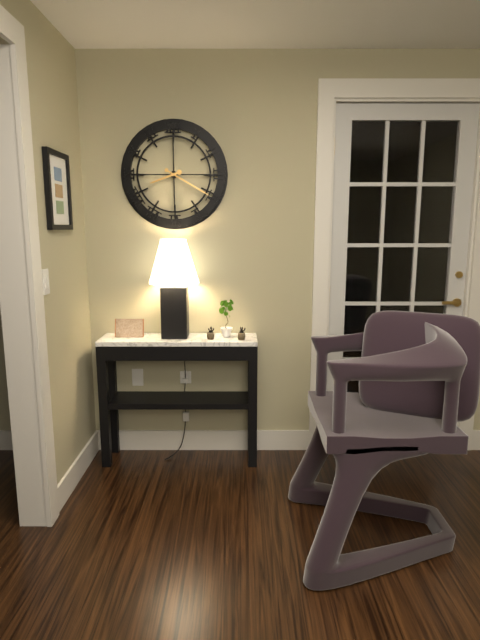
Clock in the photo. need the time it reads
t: 8:20
